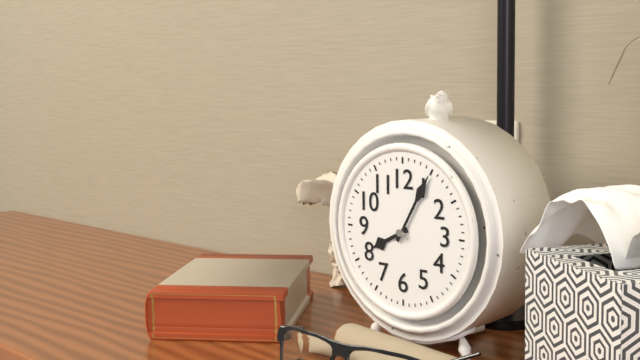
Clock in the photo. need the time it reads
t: 8:05
